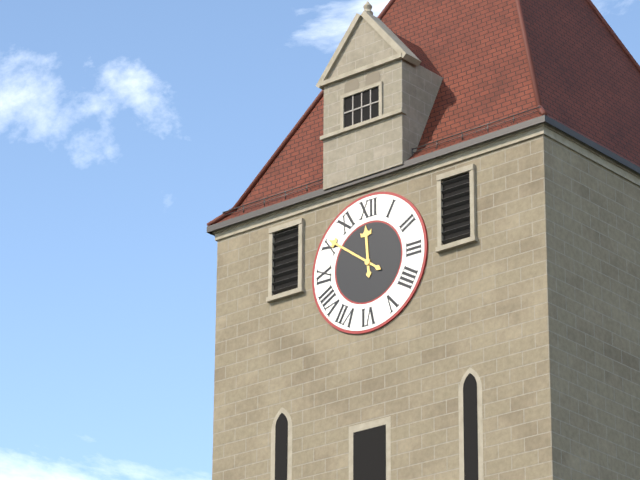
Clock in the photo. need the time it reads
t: 11:51
